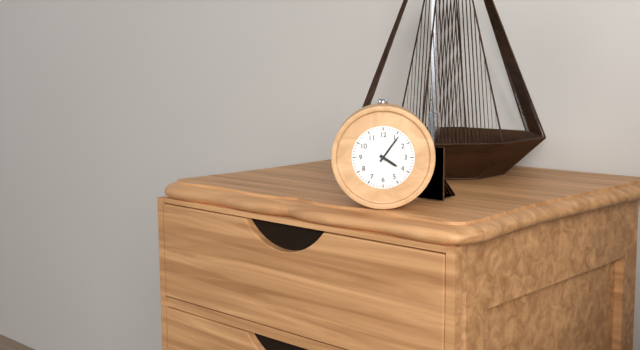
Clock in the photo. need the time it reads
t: 4:06
